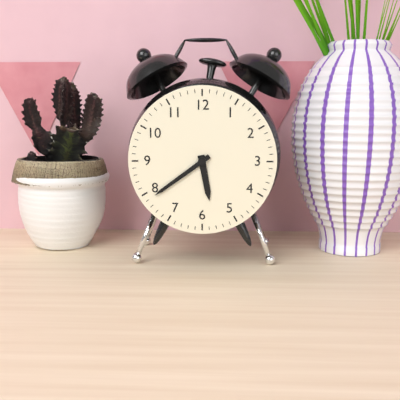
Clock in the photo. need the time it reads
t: 5:39
